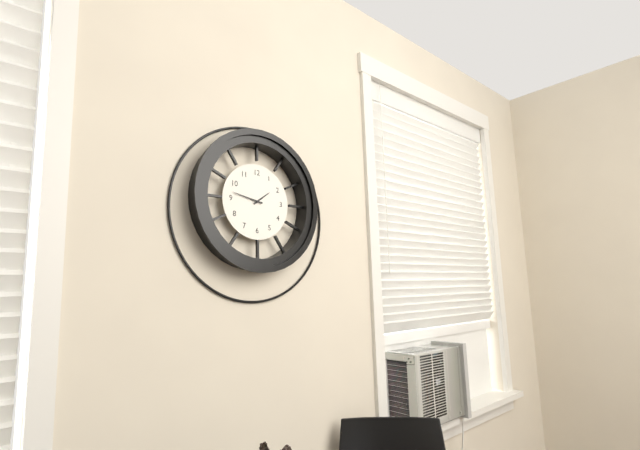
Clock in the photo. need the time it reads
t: 1:47
